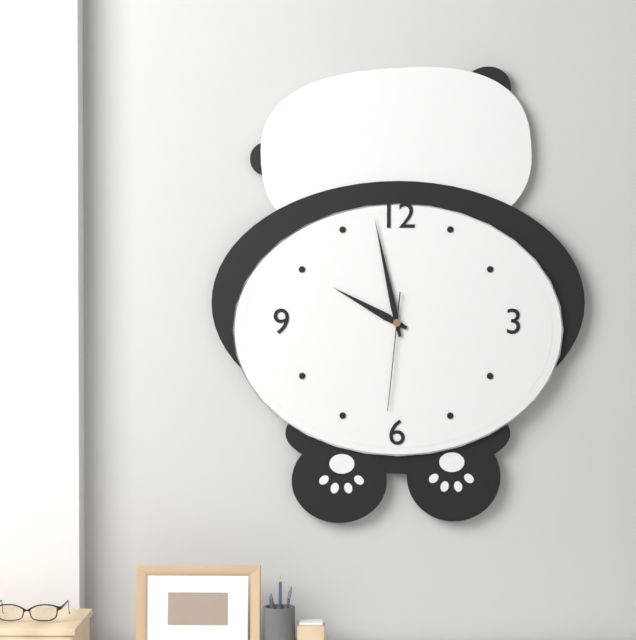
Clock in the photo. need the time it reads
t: 9:58:31
